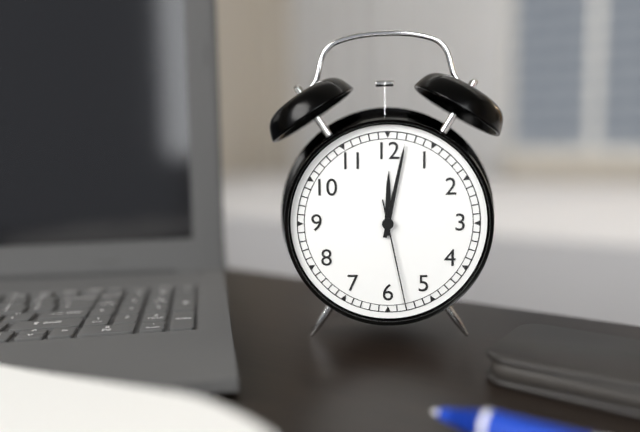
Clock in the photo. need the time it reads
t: 12:02:28
